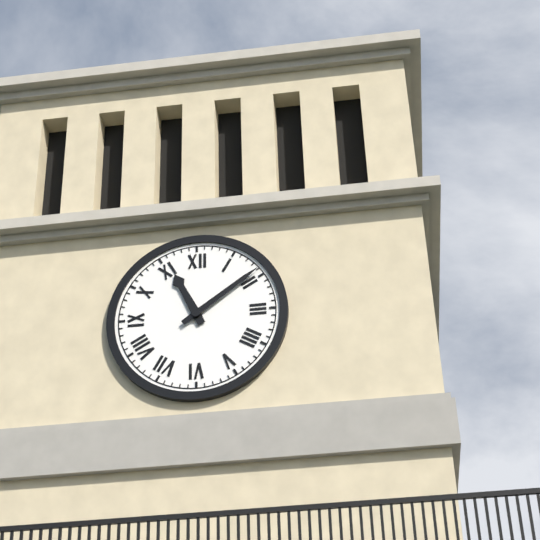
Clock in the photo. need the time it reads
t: 11:09
